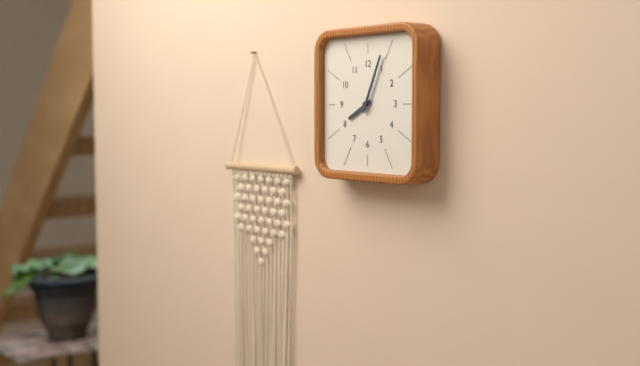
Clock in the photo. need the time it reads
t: 8:04
